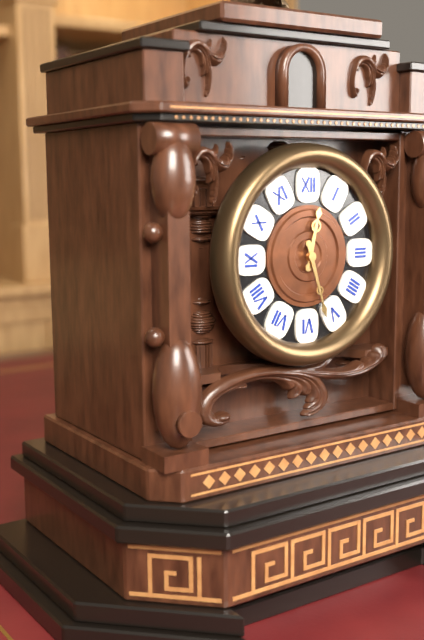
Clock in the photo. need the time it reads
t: 12:27
